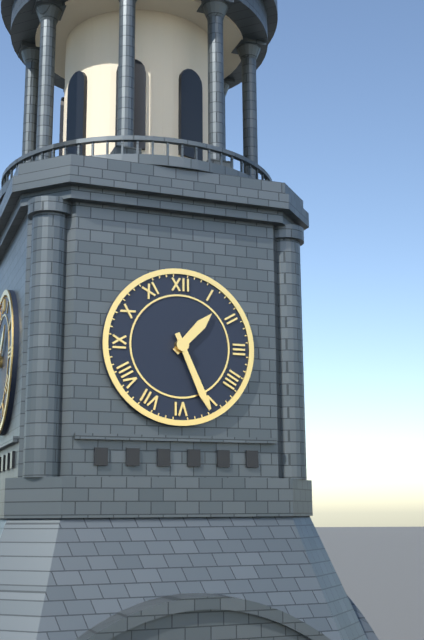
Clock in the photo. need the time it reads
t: 1:26
